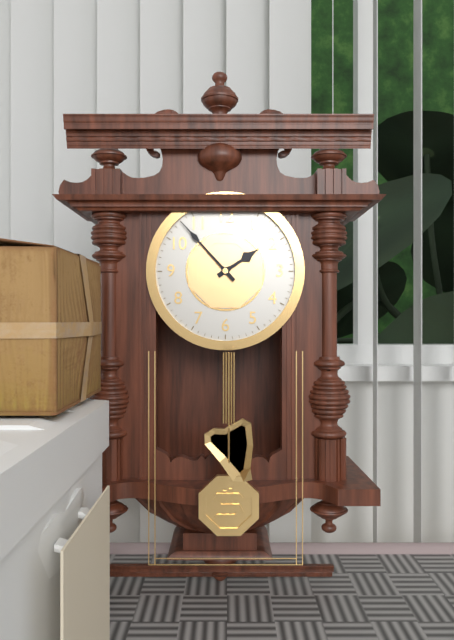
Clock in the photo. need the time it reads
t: 1:53
